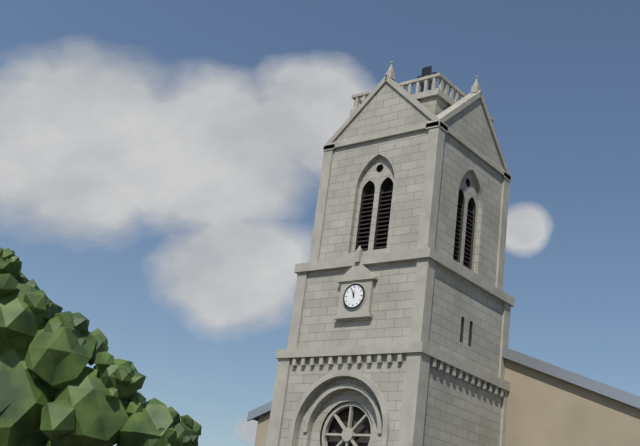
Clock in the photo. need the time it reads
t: 11:56
